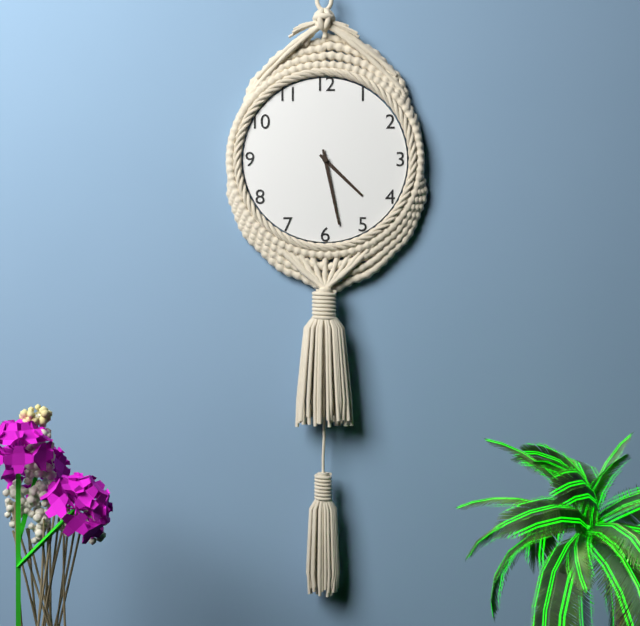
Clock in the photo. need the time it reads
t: 4:28
